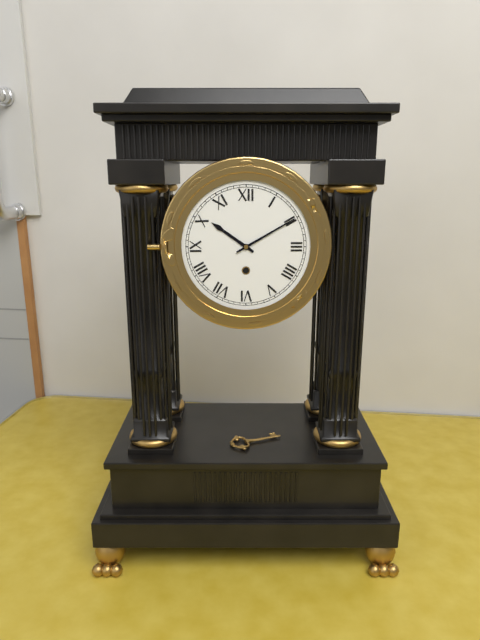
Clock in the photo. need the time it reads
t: 10:10
